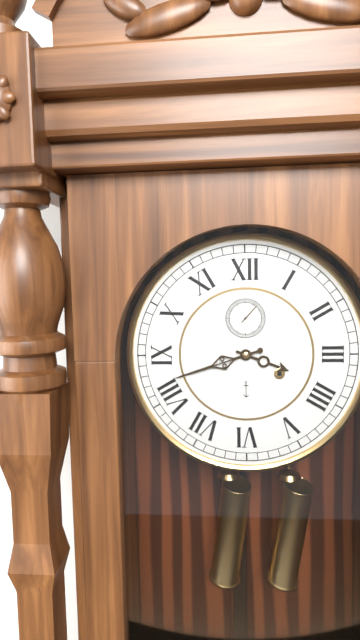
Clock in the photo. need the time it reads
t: 3:42
